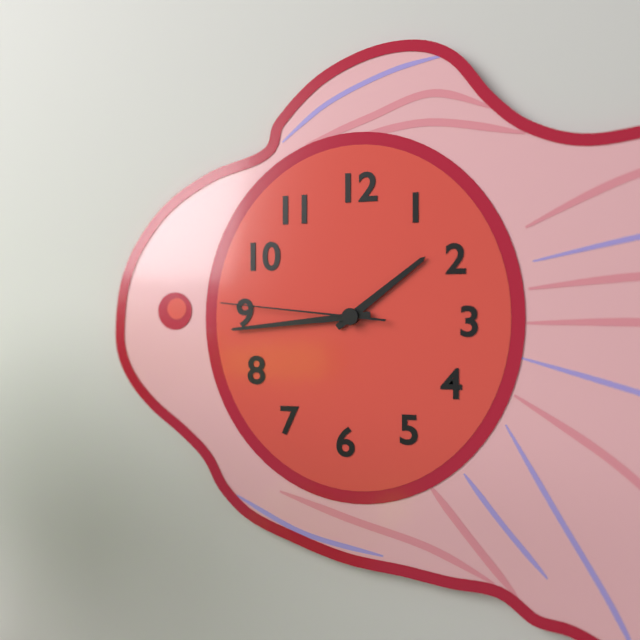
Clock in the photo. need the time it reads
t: 1:44:46
